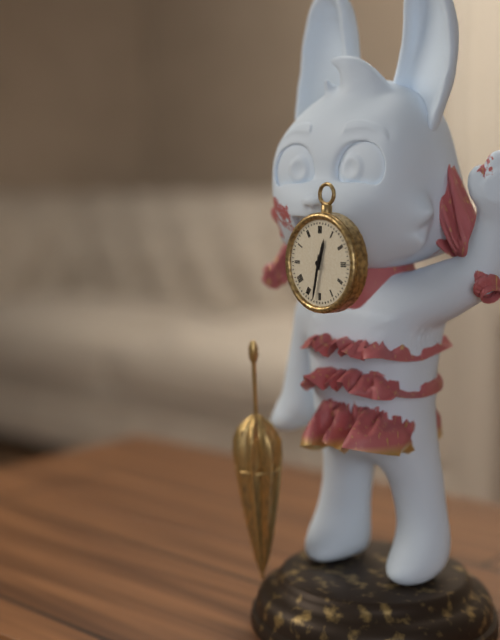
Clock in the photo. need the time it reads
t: 12:32
